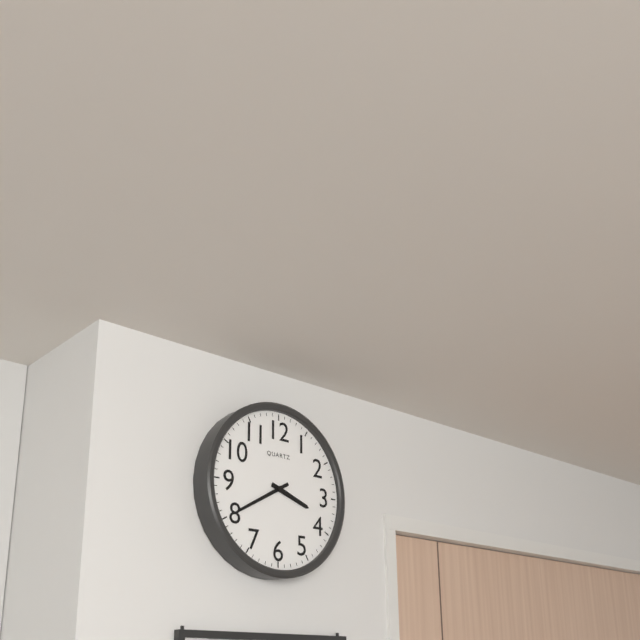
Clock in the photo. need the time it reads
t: 3:40
